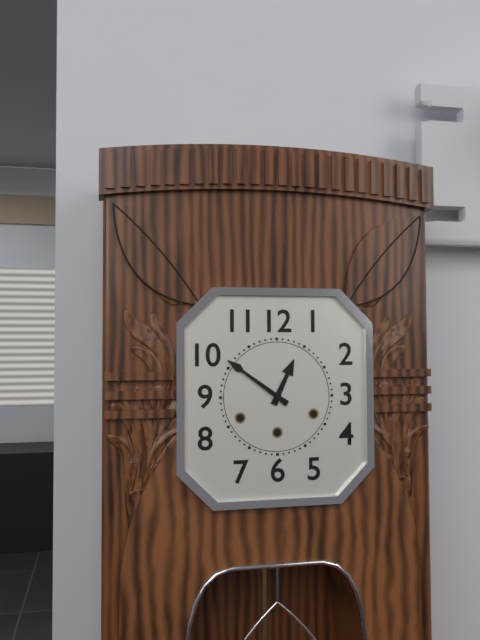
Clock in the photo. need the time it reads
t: 12:51
